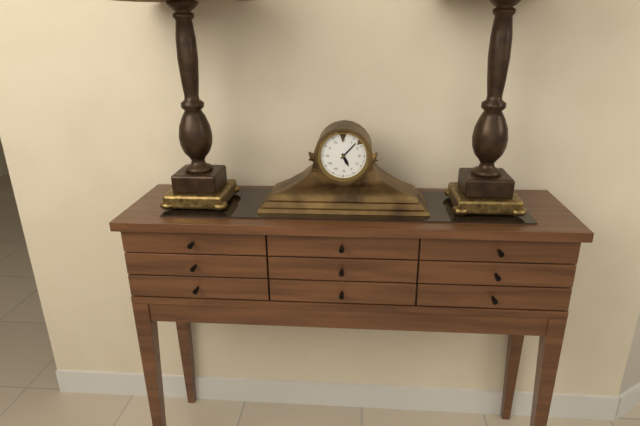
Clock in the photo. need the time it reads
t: 5:07
